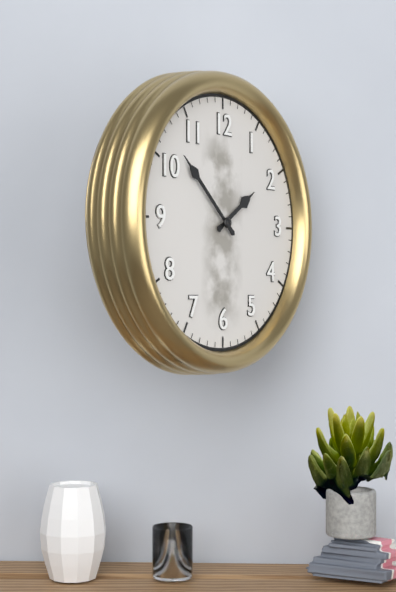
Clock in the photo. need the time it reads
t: 1:52
